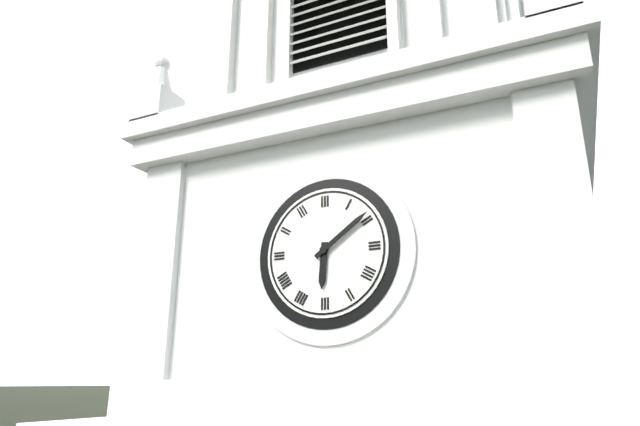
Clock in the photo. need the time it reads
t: 6:09
